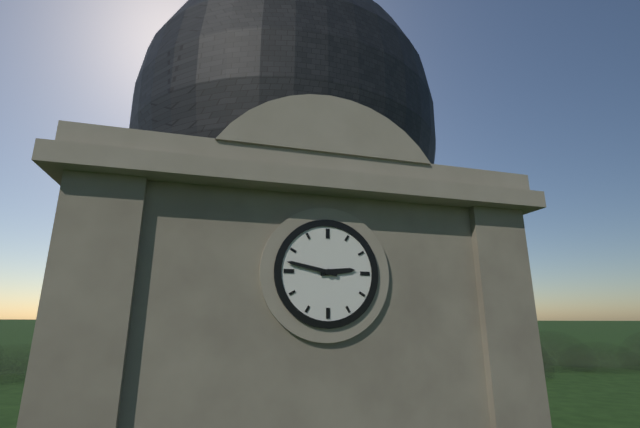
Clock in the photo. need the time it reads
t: 2:47
